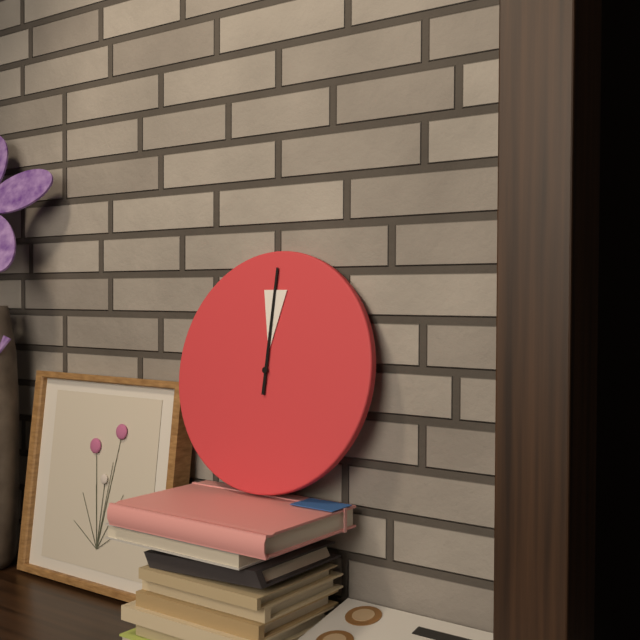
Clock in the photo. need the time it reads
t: 12:00
